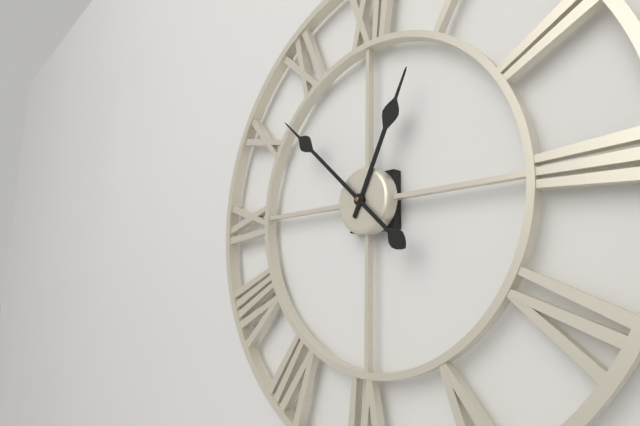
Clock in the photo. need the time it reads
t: 12:52
